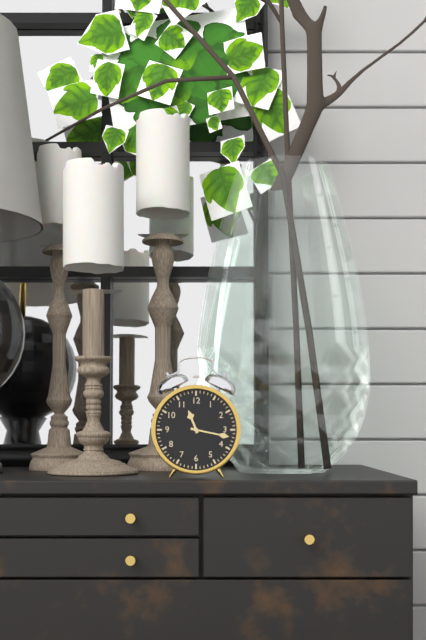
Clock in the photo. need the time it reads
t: 11:17
